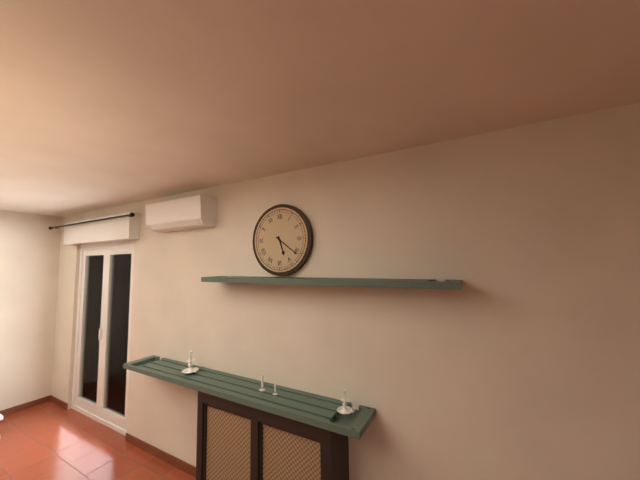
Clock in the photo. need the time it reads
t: 5:21
